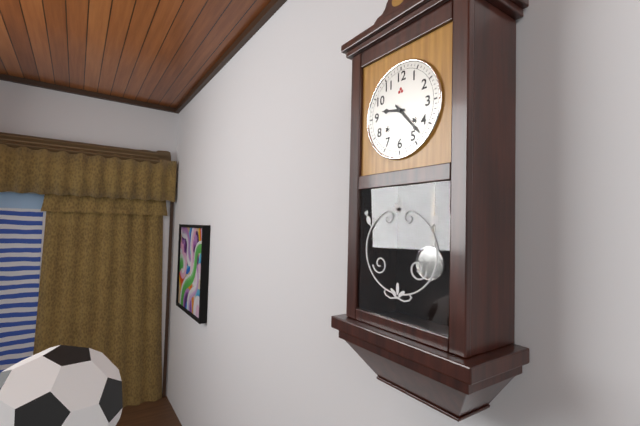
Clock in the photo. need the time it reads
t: 9:23
